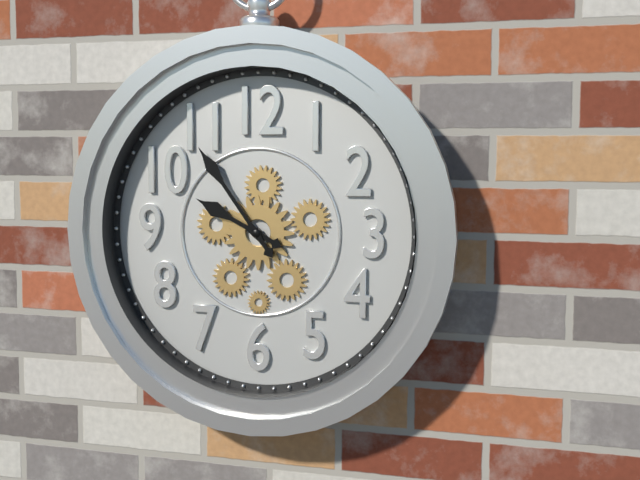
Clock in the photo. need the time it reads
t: 9:54
